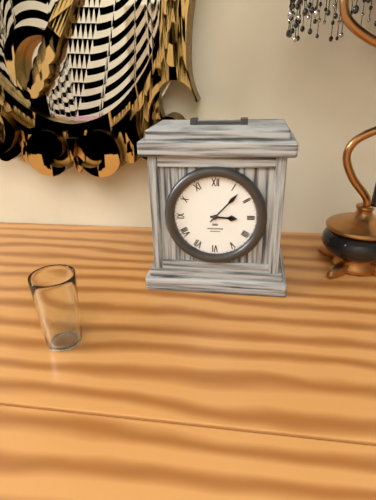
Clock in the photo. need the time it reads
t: 3:07
